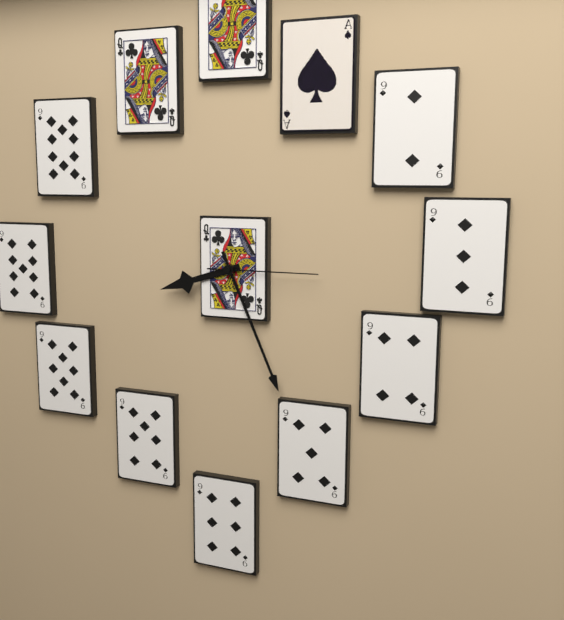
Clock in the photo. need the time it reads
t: 8:26:15
